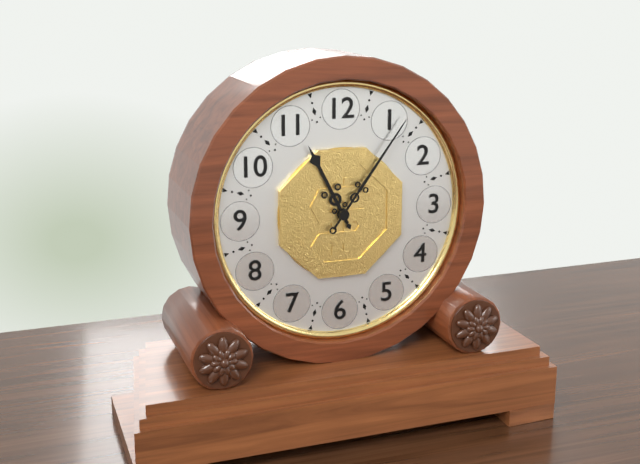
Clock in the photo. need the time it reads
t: 11:06
